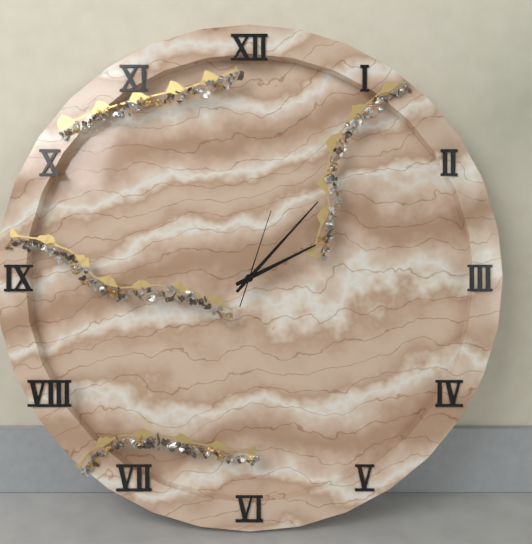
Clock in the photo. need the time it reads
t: 2:07:03
